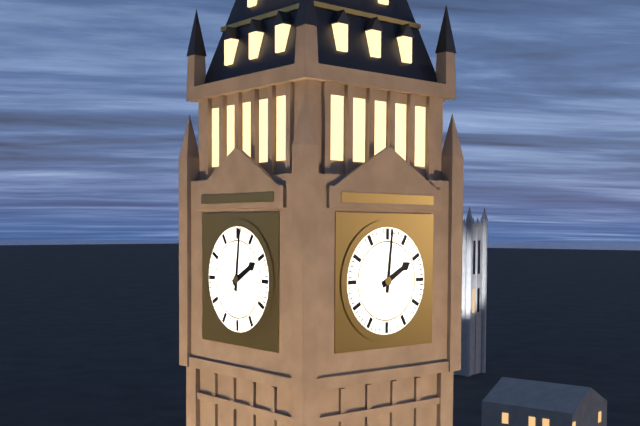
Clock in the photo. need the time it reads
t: 2:01
